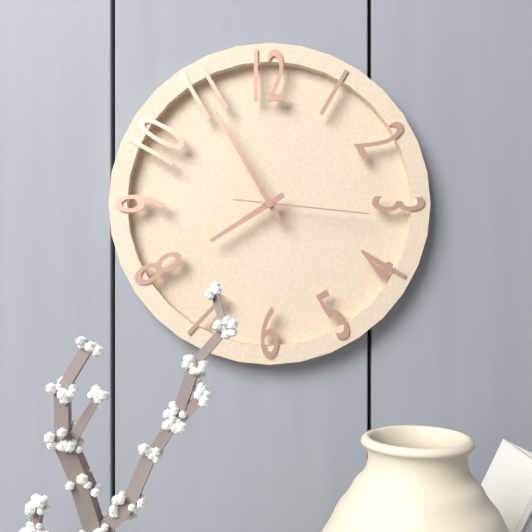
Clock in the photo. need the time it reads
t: 7:55:16
